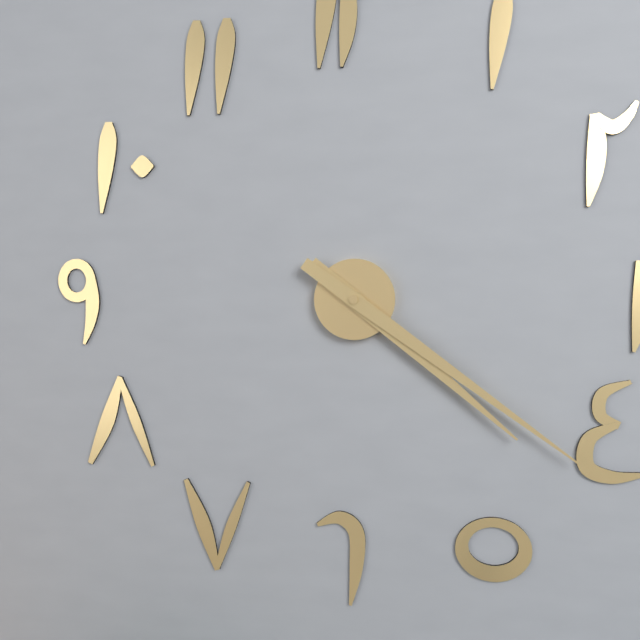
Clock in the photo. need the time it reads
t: 4:21
